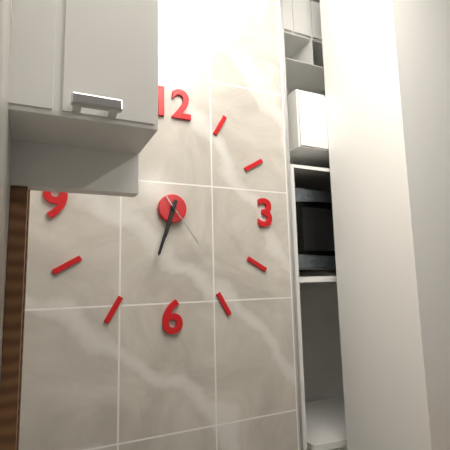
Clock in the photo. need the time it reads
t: 6:33:24
